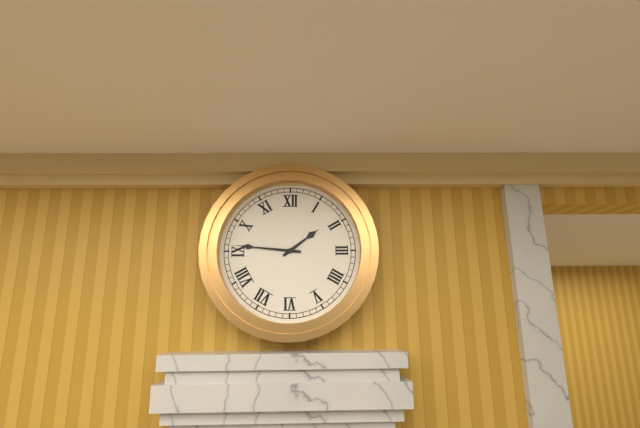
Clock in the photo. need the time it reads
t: 1:46
